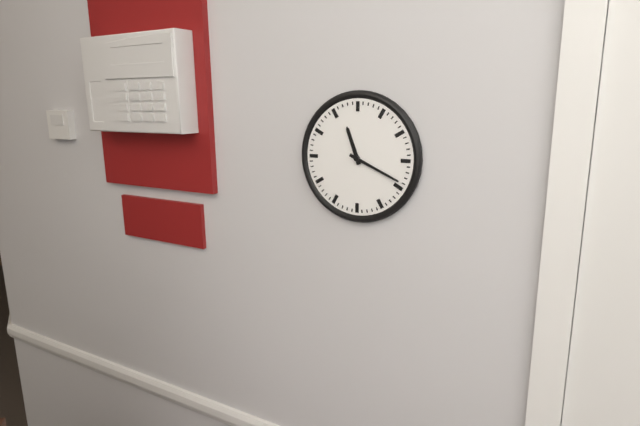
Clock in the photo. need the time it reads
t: 11:19
